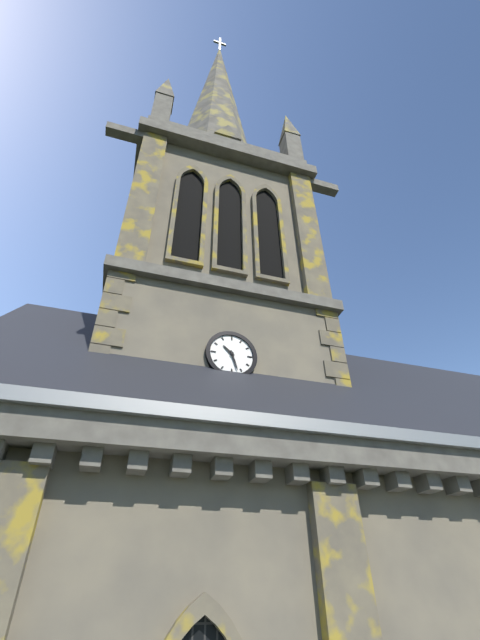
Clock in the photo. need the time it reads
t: 10:27
